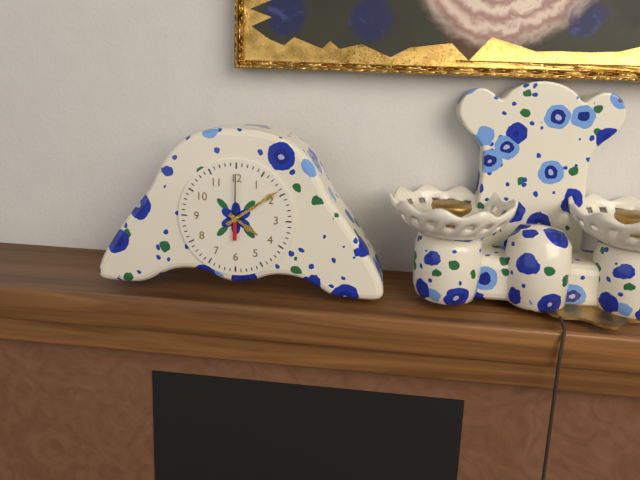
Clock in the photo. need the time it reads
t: 4:09
